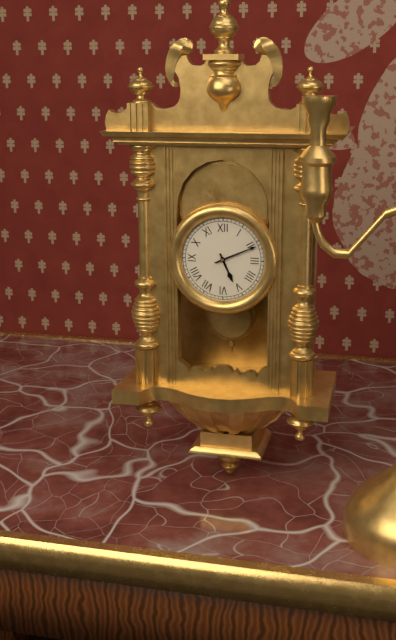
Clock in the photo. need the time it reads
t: 5:11
